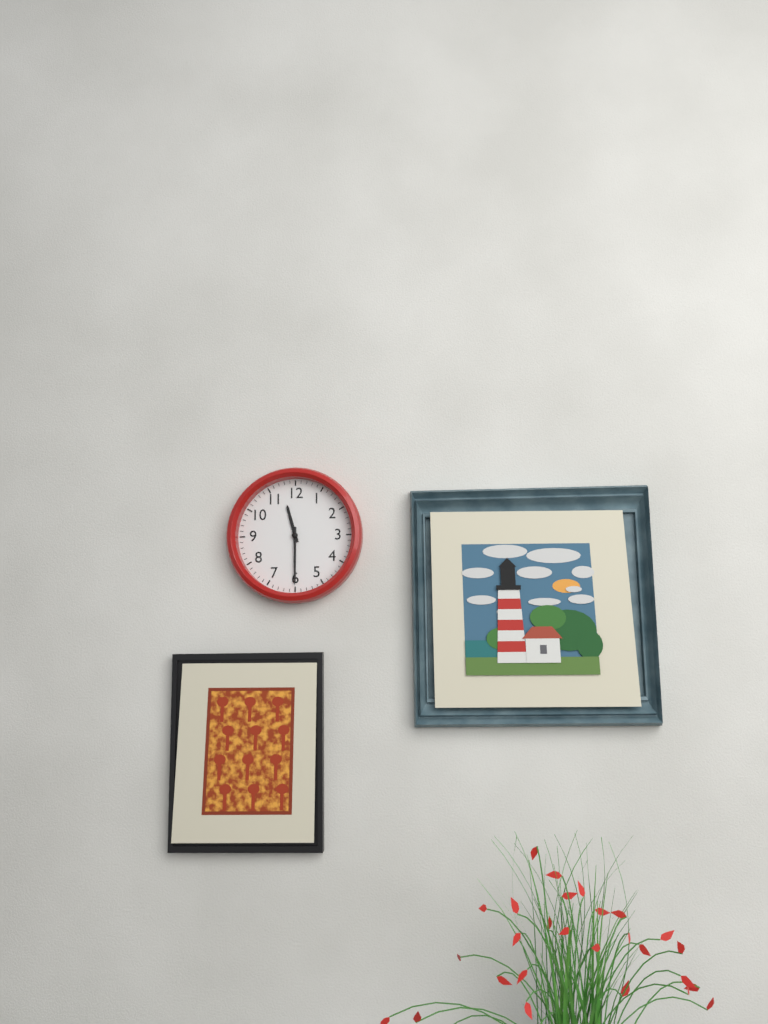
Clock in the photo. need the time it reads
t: 11:30
